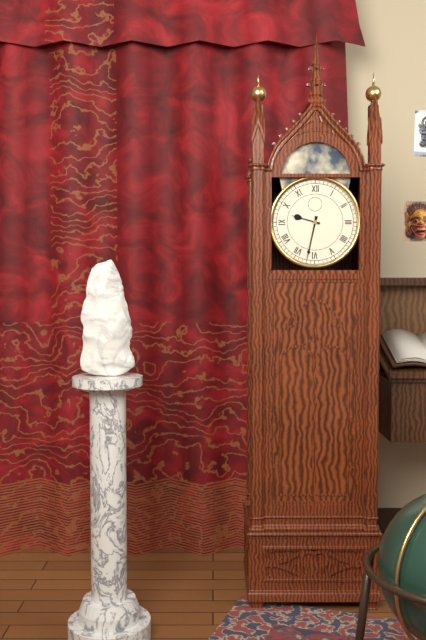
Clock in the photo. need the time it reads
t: 9:32
